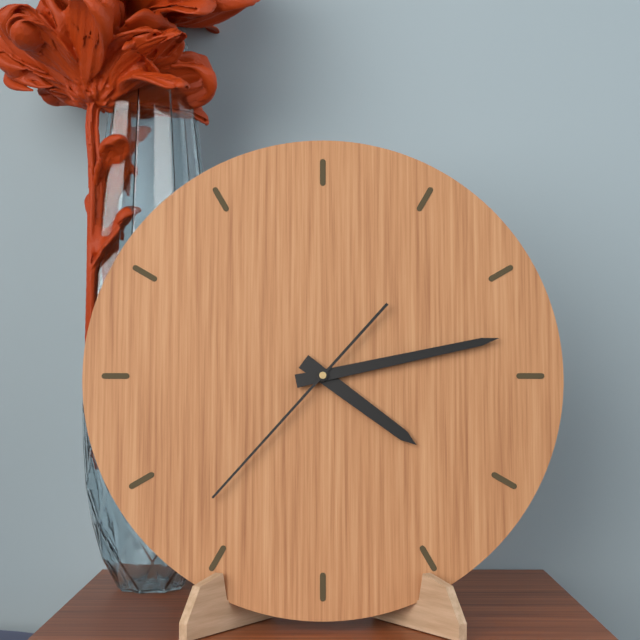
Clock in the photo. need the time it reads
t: 4:13:37
